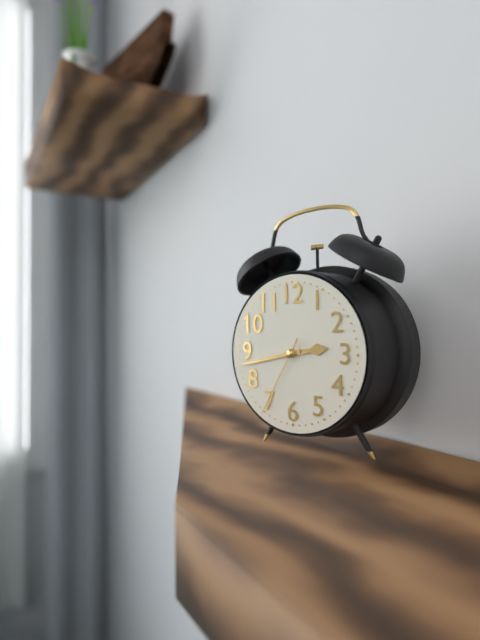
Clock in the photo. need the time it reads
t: 2:43:35
